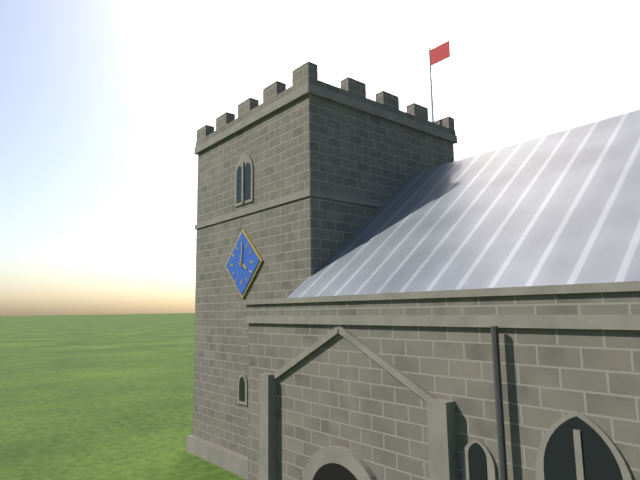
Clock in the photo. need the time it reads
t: 4:01
